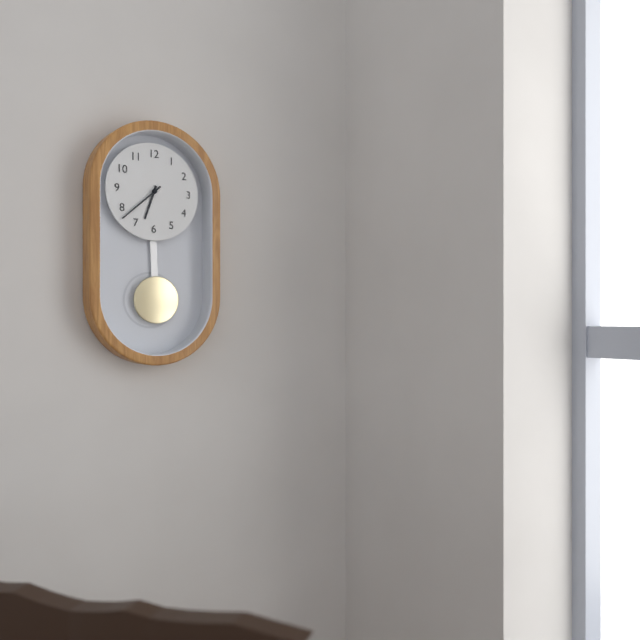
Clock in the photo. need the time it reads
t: 6:38
